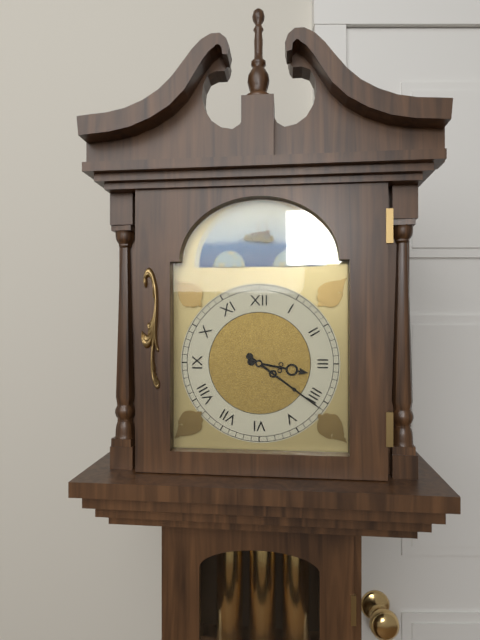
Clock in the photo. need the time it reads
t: 3:21
